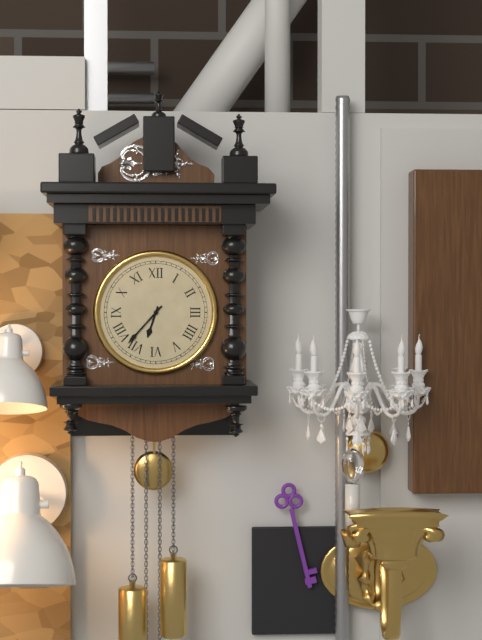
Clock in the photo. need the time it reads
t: 6:37
